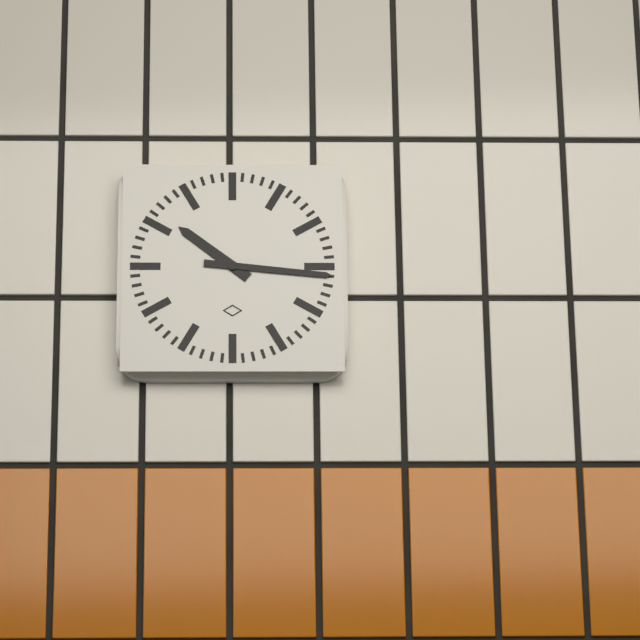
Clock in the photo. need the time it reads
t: 10:16
